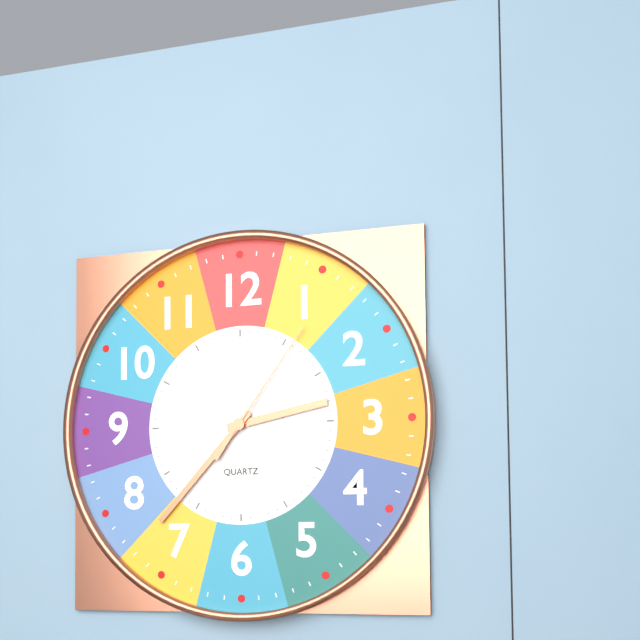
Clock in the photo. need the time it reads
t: 2:37:06
